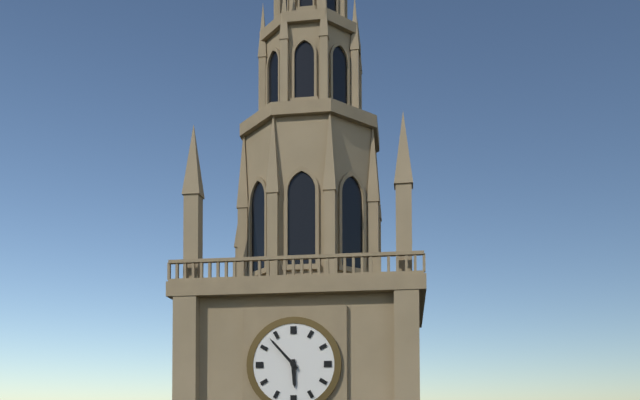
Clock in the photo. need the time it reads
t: 5:53
